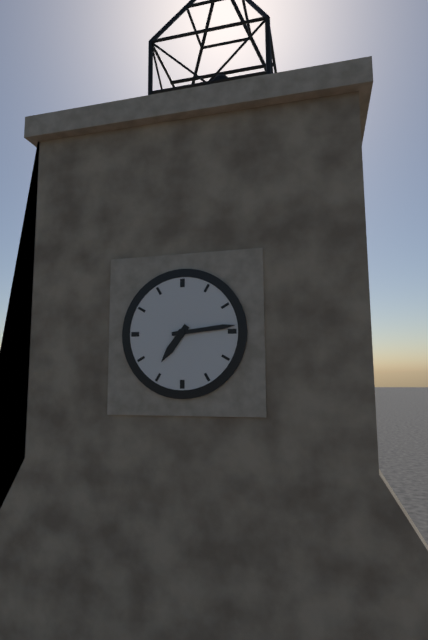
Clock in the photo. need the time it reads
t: 7:14
